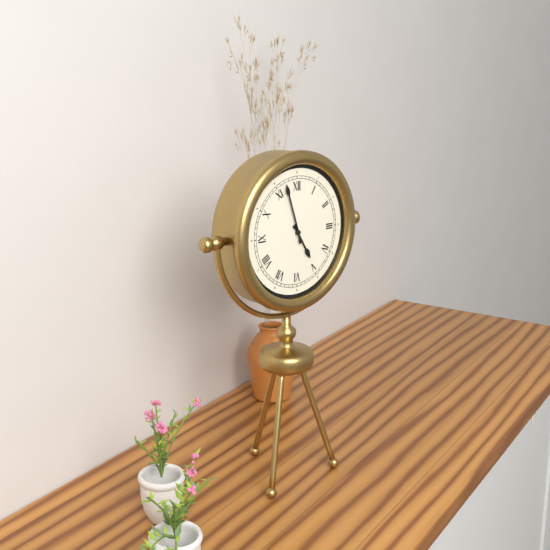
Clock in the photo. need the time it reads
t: 4:57
